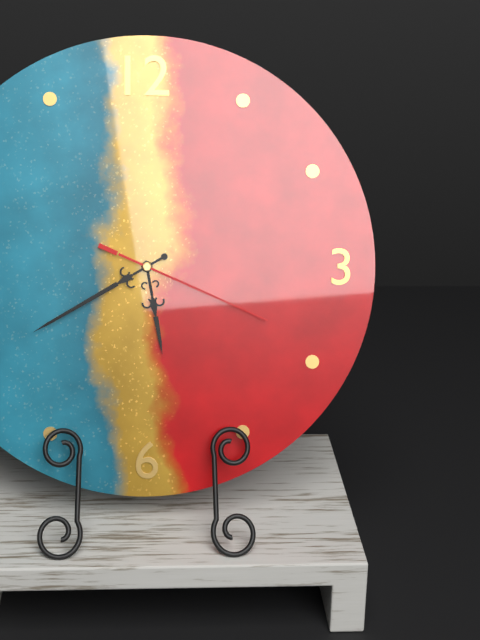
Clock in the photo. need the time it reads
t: 5:40:19
